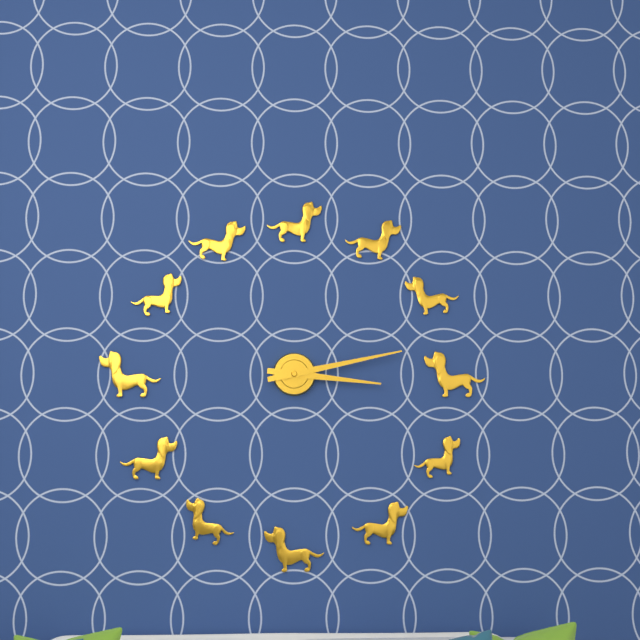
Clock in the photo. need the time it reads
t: 3:13
